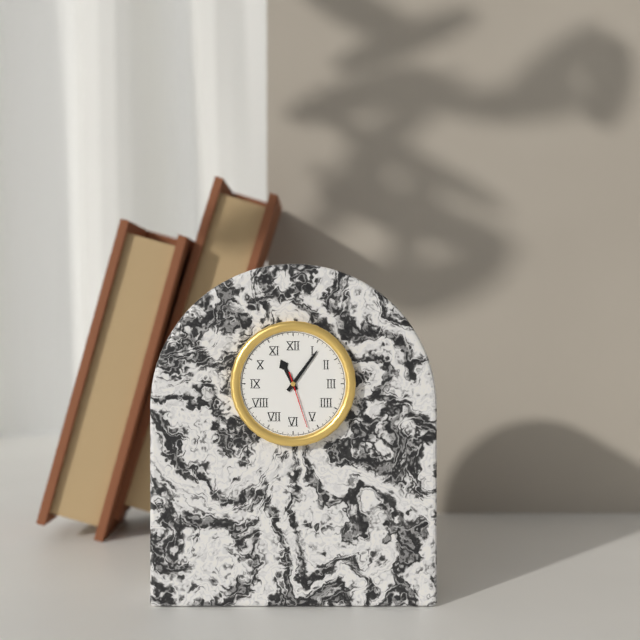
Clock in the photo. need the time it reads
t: 11:06:27
